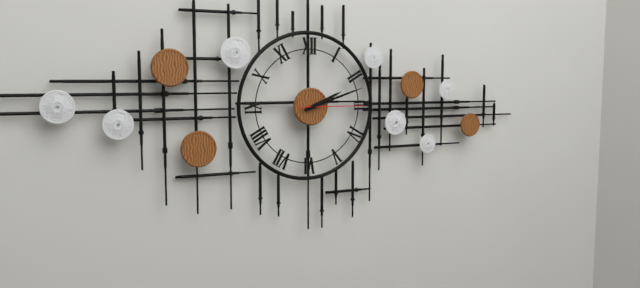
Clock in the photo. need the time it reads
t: 2:12:15
